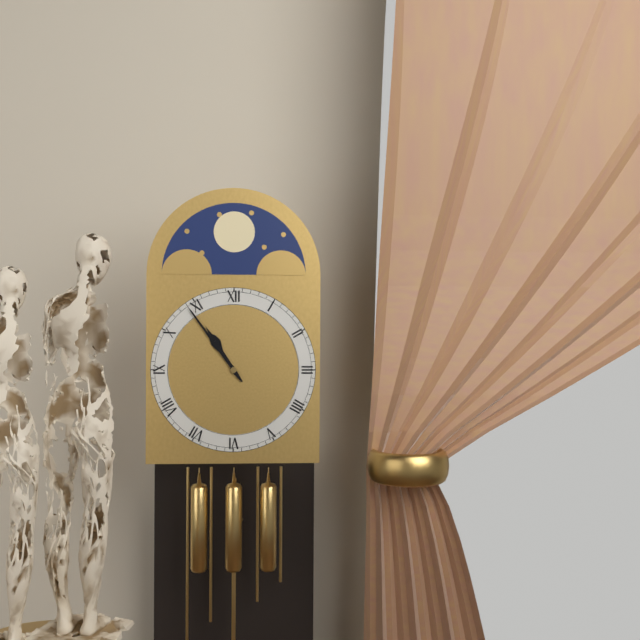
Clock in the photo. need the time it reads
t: 10:54
